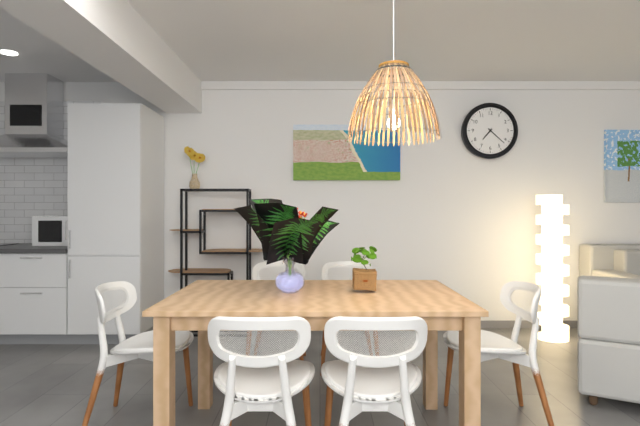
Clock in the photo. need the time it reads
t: 7:22
